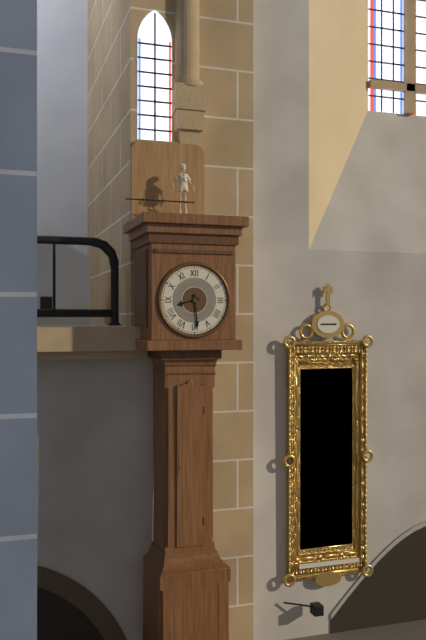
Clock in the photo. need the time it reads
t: 8:29
